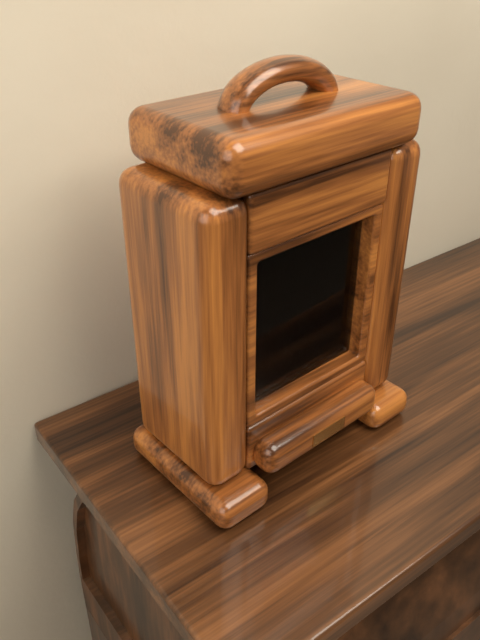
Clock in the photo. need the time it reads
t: 2:08
